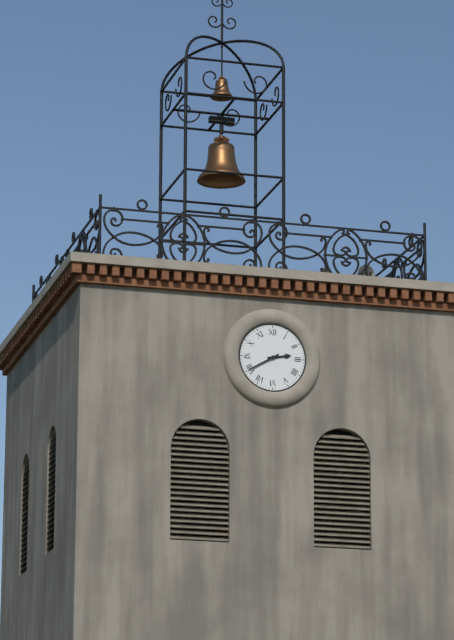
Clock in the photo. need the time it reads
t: 2:40
